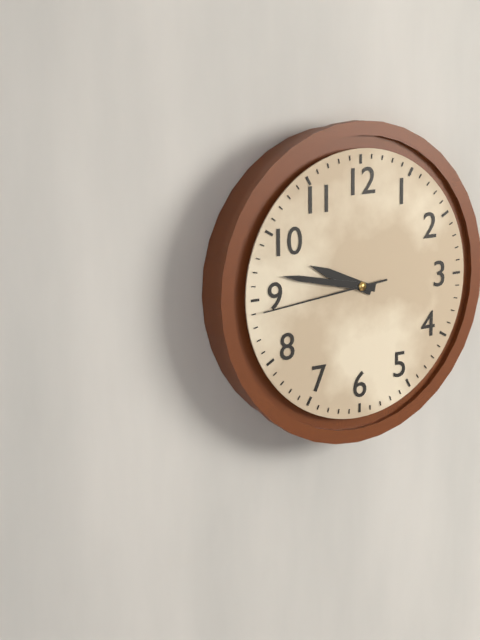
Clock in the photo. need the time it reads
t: 9:47:44
